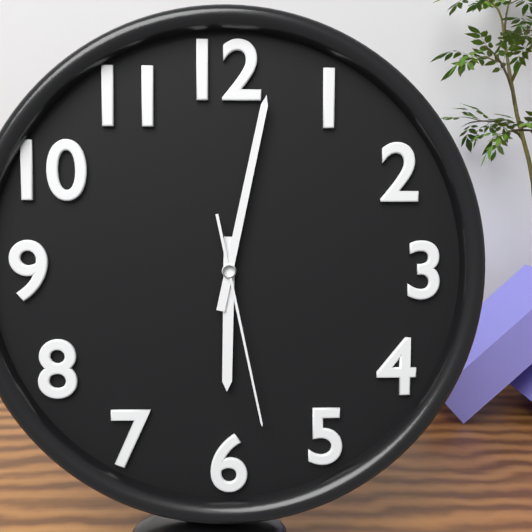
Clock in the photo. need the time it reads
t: 6:02:28
